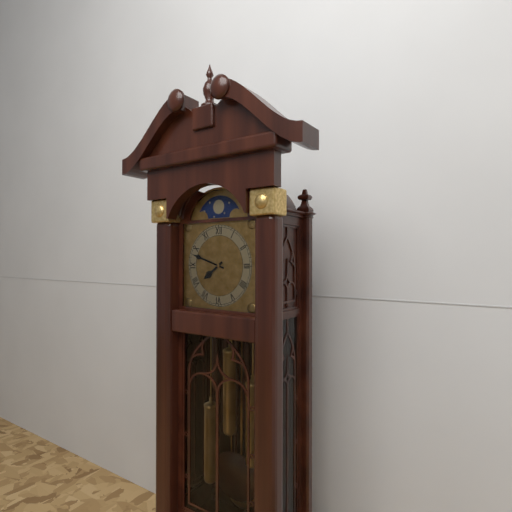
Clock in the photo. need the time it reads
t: 7:48
